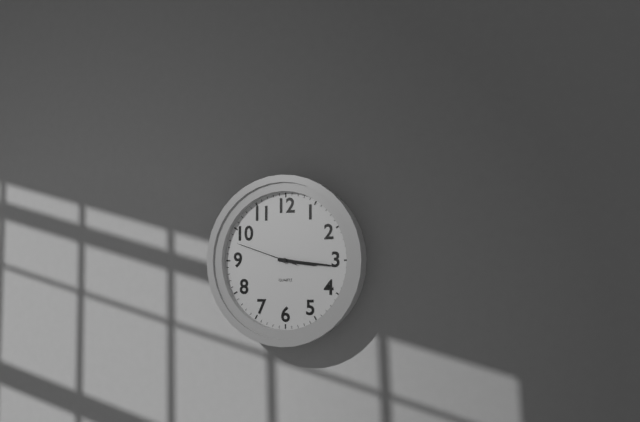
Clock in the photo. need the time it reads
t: 3:16:48
